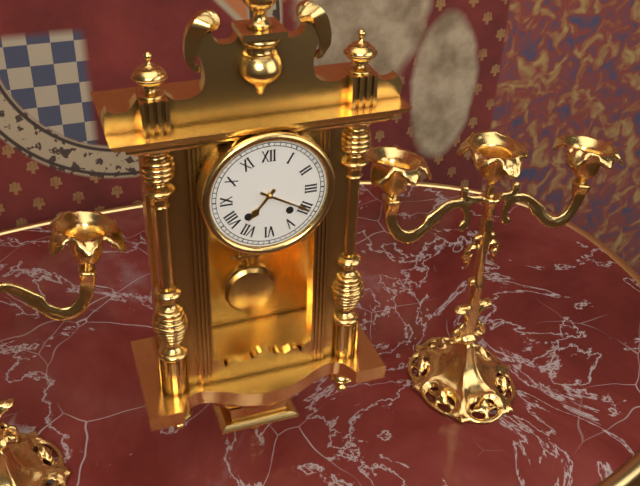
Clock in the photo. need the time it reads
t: 7:20
